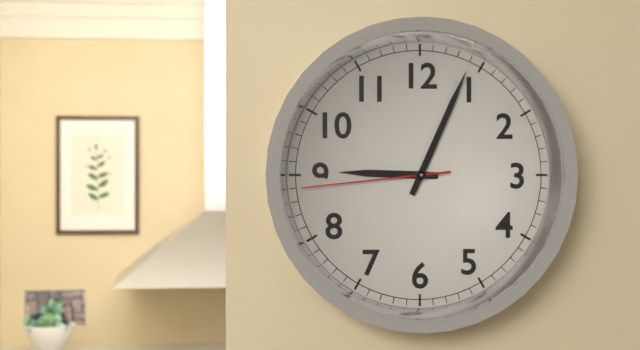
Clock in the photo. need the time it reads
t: 9:04:44
